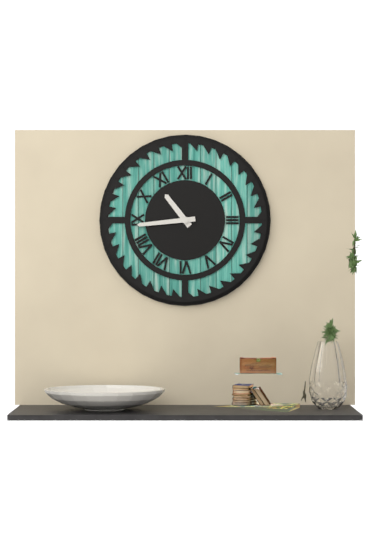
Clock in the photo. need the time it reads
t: 10:44
